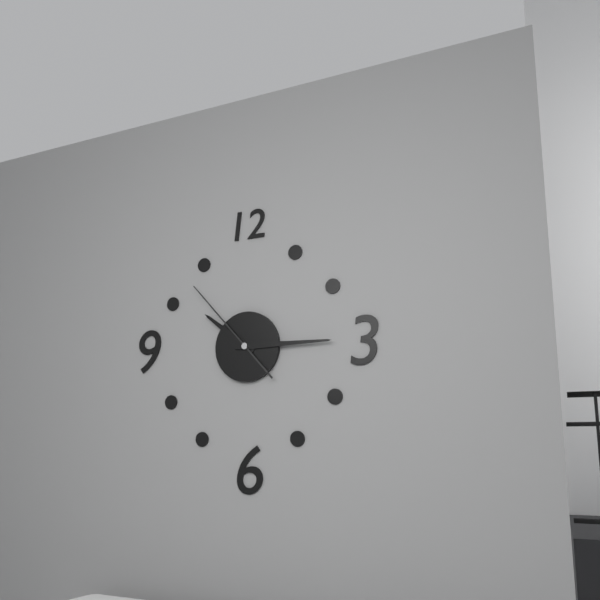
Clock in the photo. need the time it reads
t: 10:15:53
